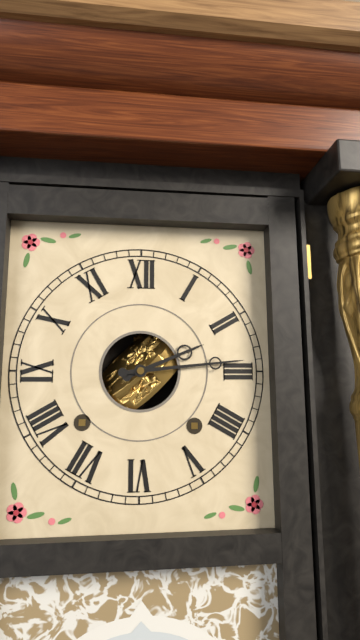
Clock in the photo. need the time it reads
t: 2:14
